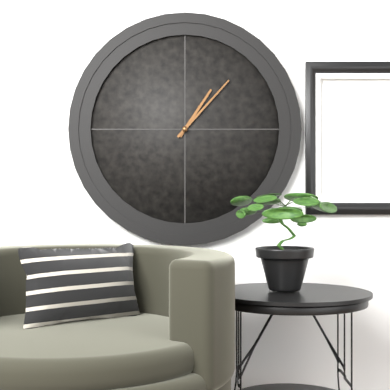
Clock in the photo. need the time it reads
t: 1:07
